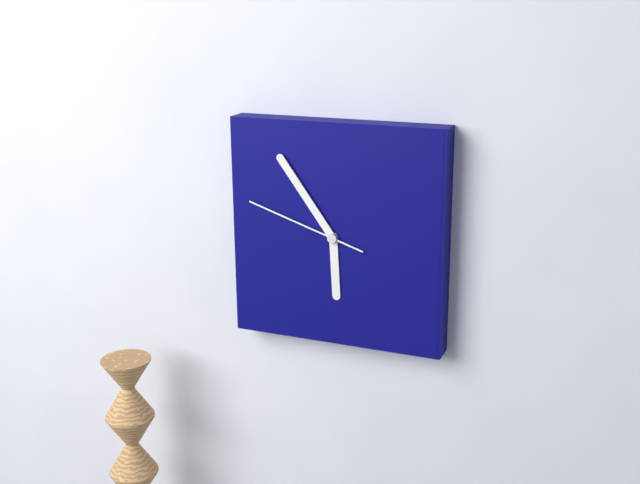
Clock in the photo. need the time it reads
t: 5:54:48
